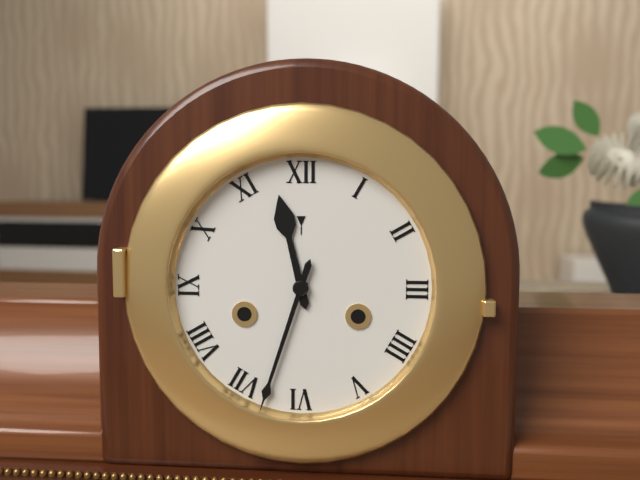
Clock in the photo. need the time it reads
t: 11:33
